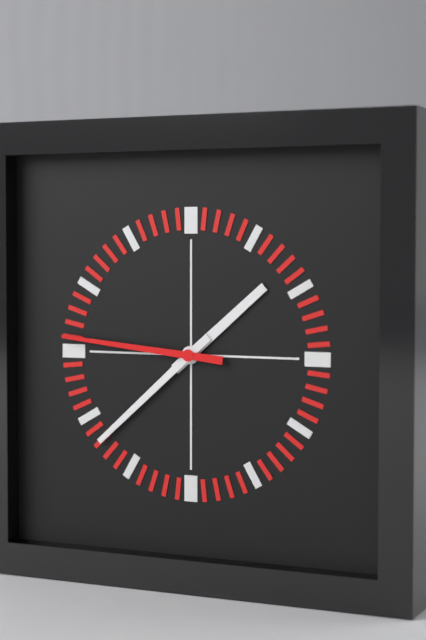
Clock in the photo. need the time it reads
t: 1:38:46
